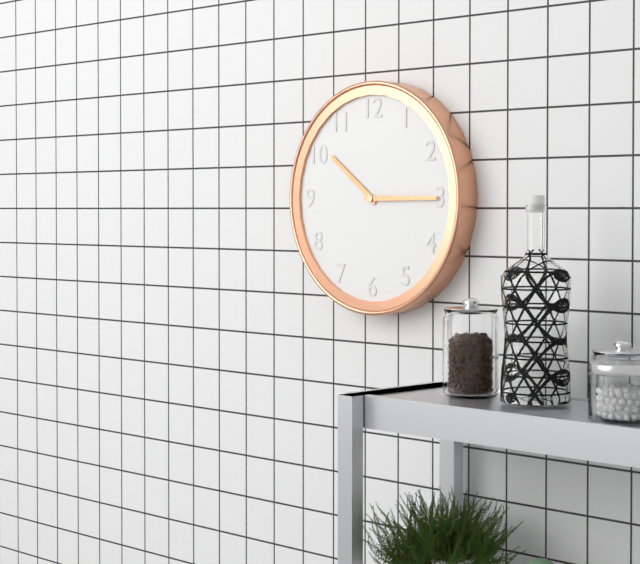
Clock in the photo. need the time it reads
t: 10:15
